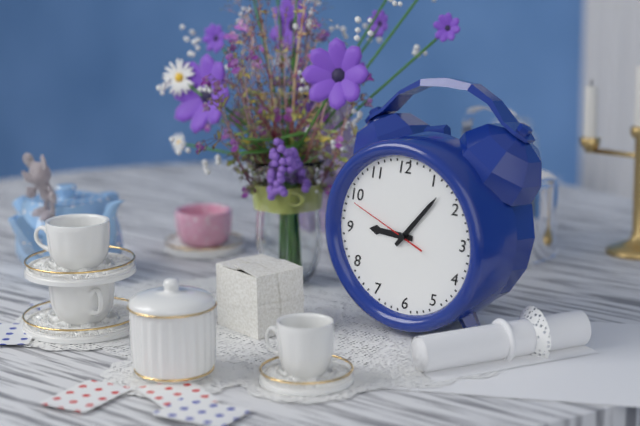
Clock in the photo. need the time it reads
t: 9:07:49
